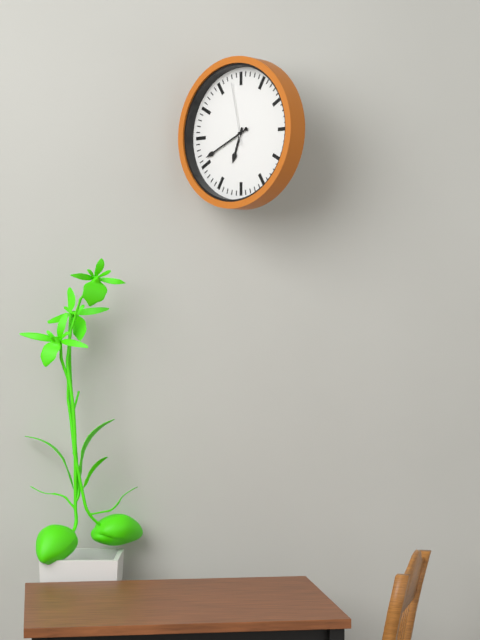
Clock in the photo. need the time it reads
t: 6:41:58
